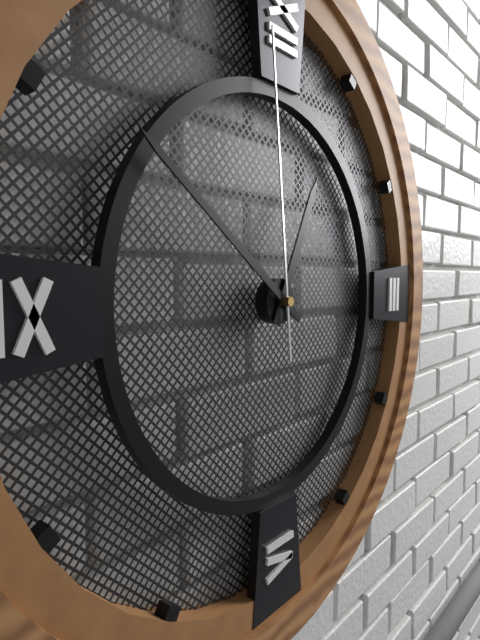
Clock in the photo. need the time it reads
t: 12:51:59
